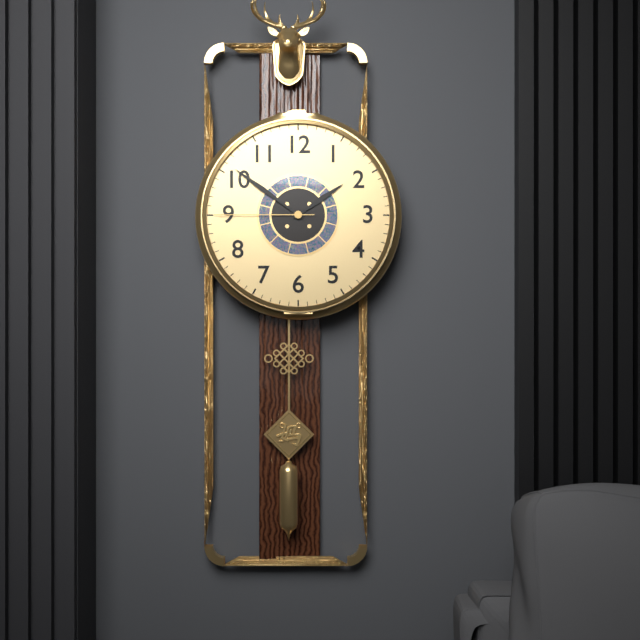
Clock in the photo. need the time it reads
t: 1:51:45
